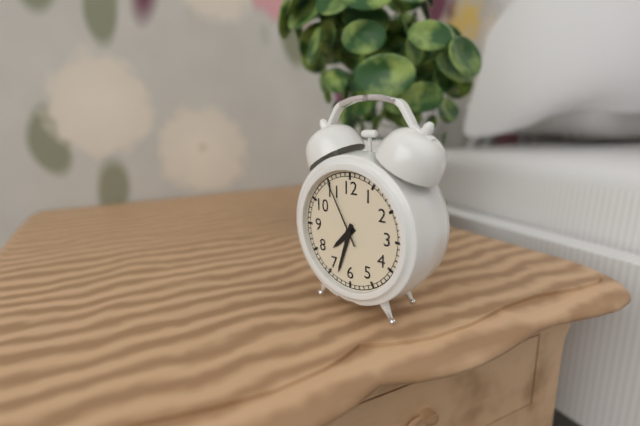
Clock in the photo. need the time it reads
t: 7:33:55
